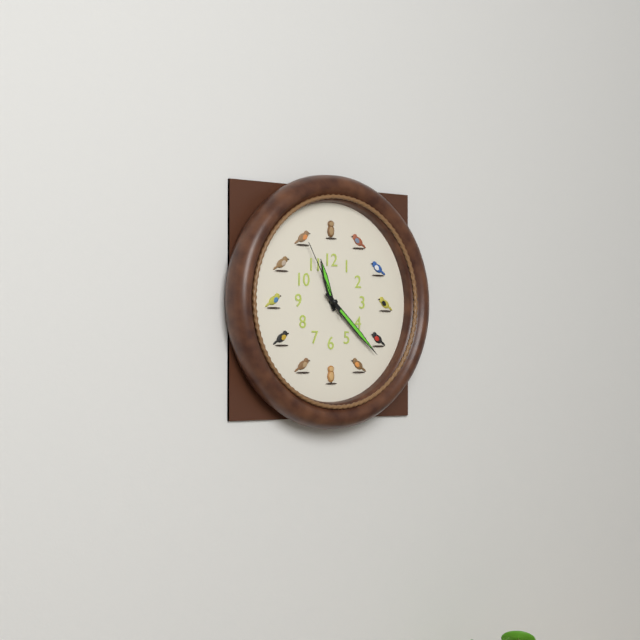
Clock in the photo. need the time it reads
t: 11:22:55
